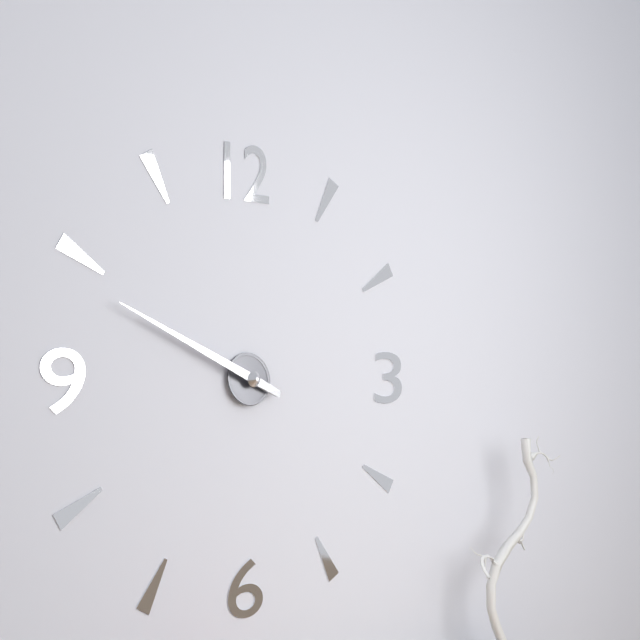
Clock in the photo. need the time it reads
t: 9:49
